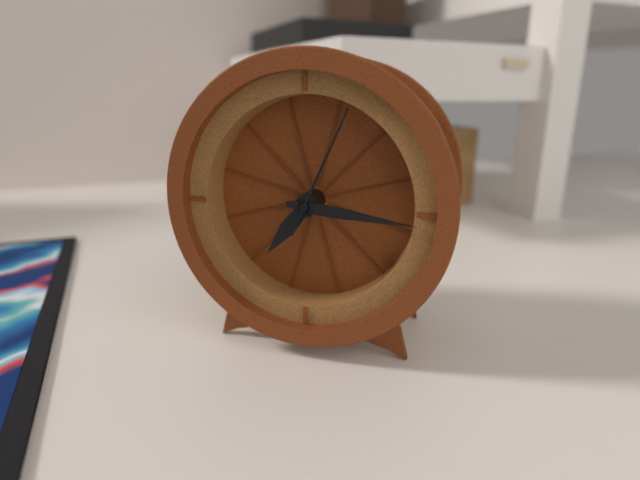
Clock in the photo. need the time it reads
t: 7:16:04
